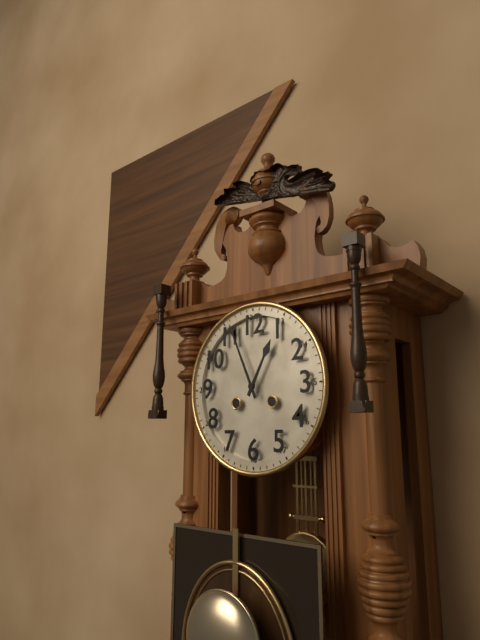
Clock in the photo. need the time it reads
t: 12:56
